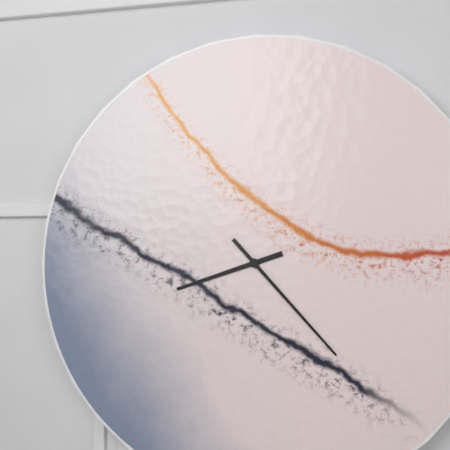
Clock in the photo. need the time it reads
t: 8:23
